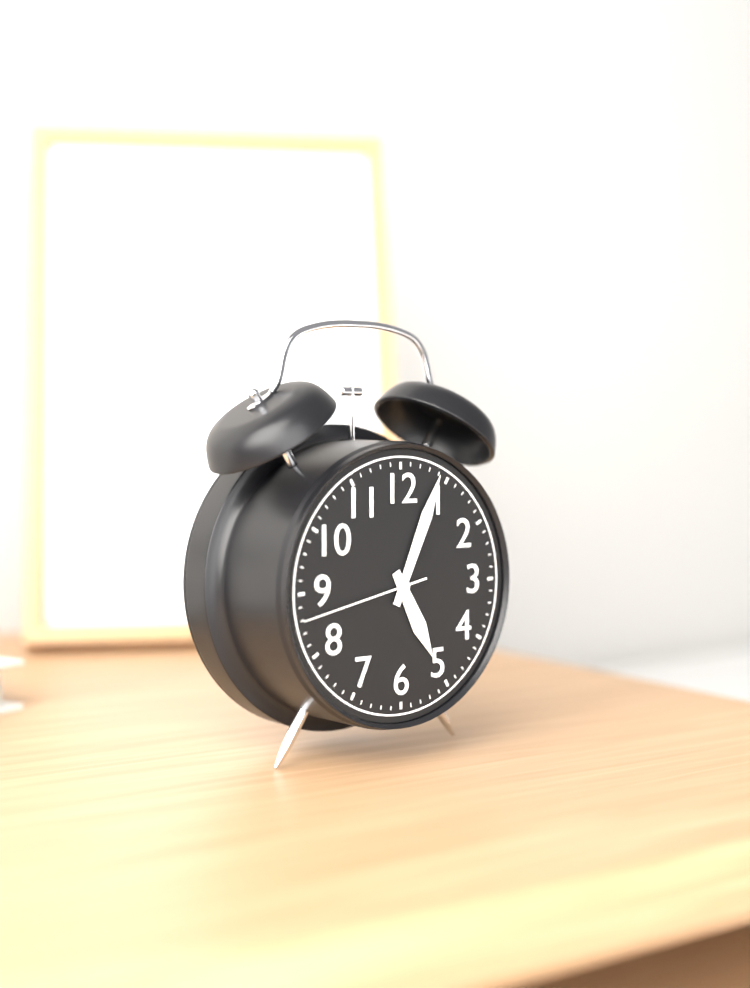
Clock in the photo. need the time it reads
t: 5:04:43
